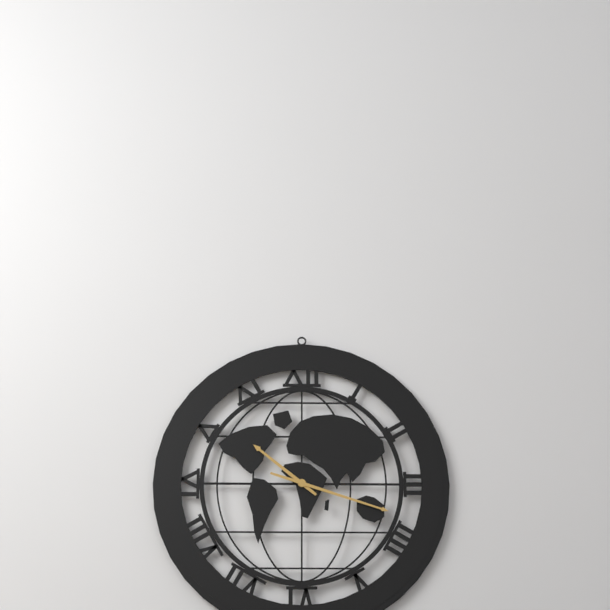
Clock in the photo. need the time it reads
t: 10:18
